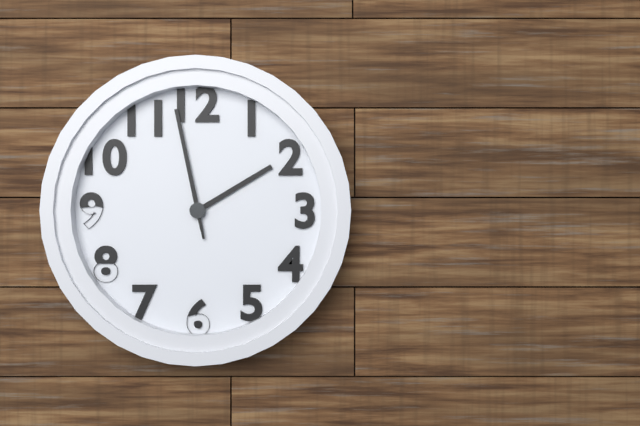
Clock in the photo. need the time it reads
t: 1:58
